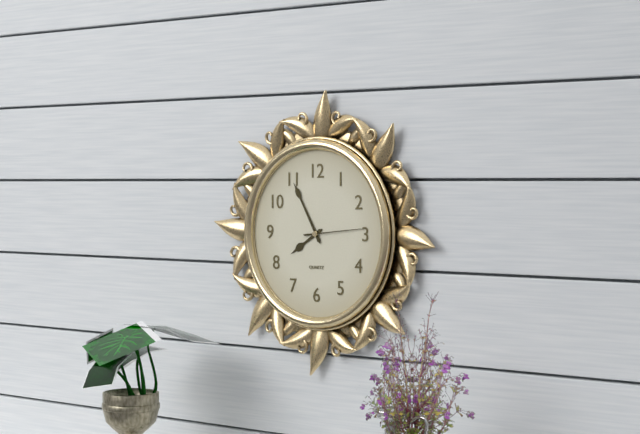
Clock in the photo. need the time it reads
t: 7:55:14
